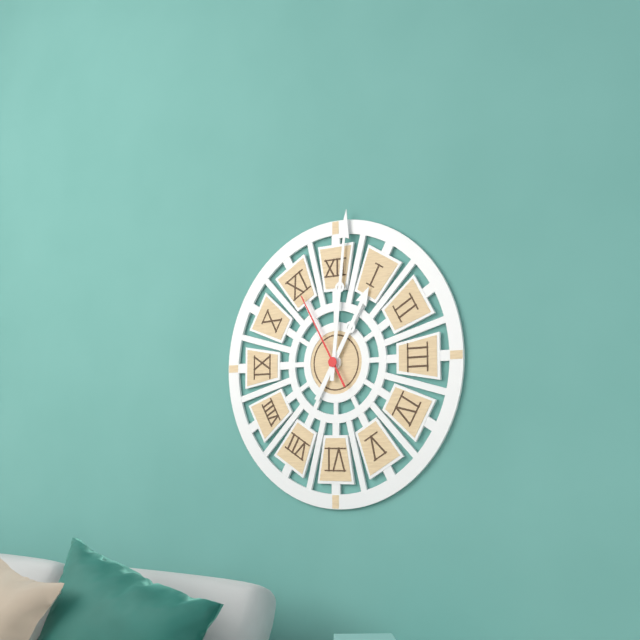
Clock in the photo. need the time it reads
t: 1:01:55
